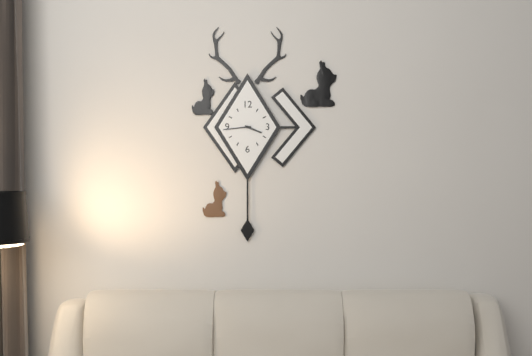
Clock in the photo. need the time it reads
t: 3:44
